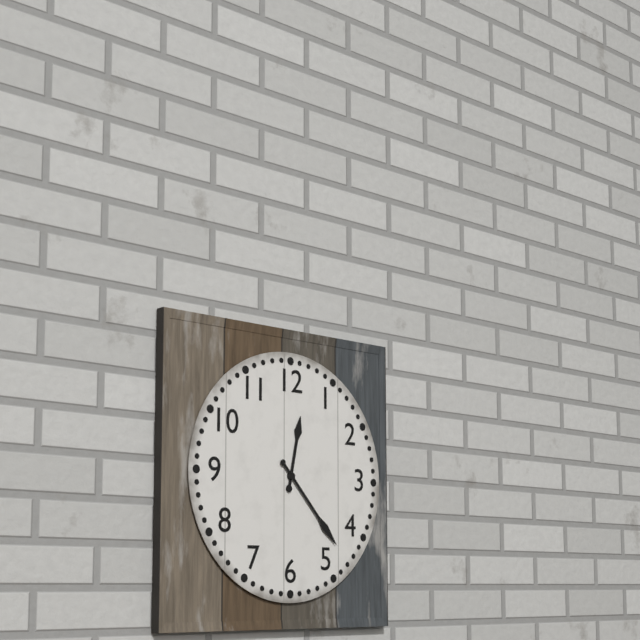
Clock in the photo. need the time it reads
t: 12:23
